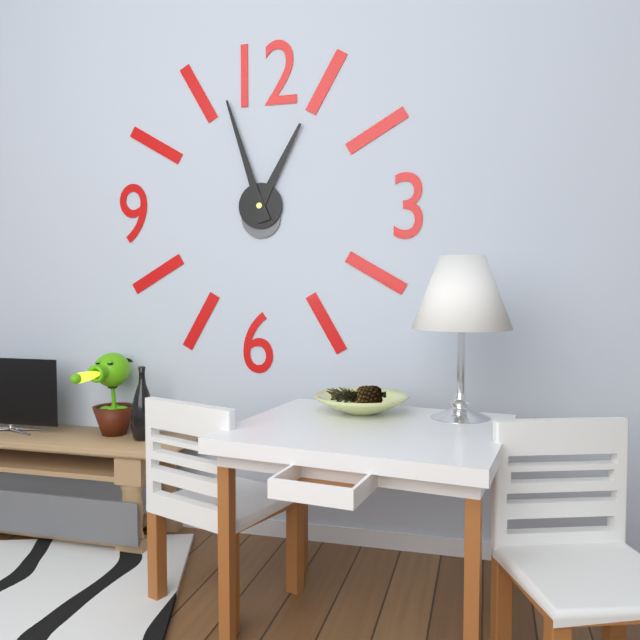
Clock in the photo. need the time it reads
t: 12:57
